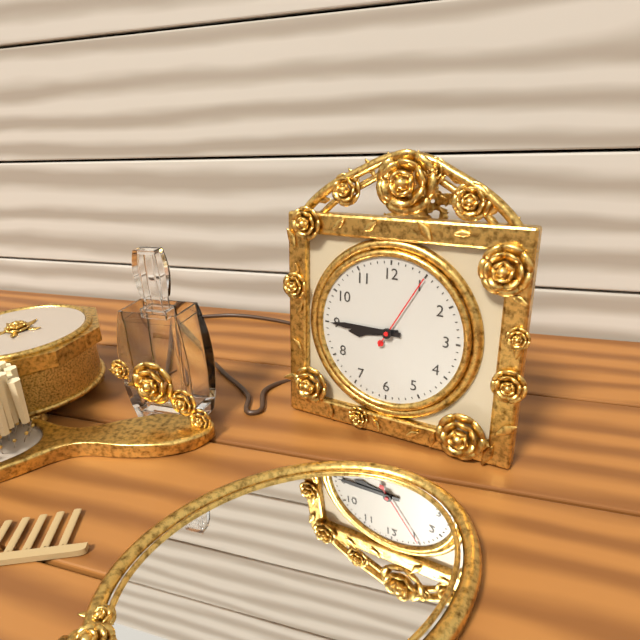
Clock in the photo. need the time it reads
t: 8:45:05
